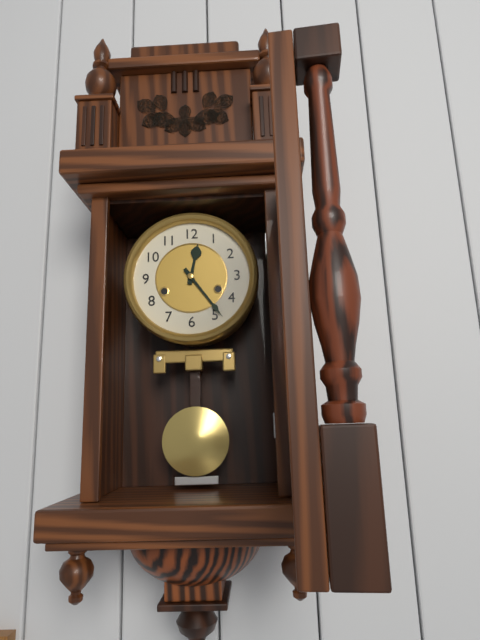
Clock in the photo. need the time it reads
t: 12:24
